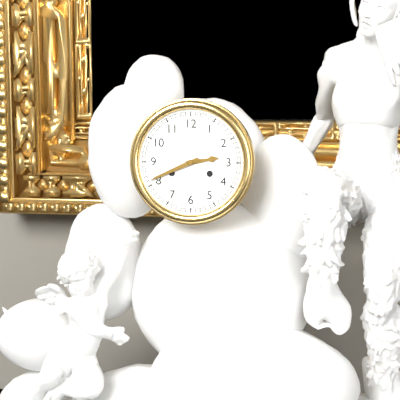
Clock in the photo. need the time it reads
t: 2:41
